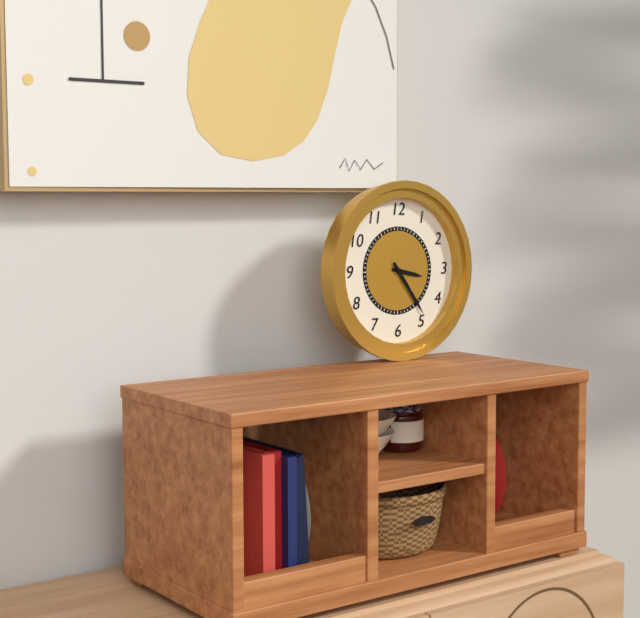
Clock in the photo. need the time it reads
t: 3:24
